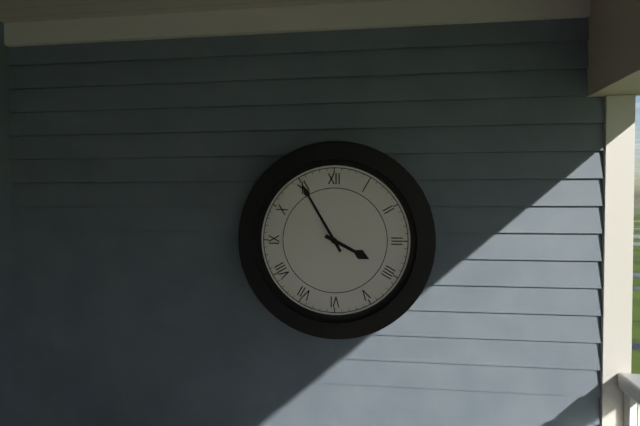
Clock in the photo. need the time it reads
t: 3:55
